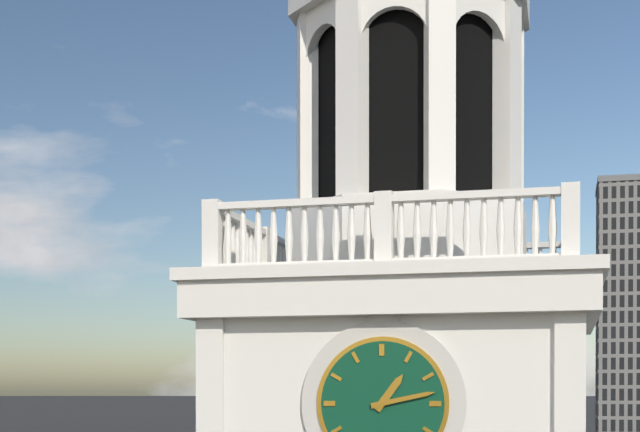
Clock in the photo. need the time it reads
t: 1:13
